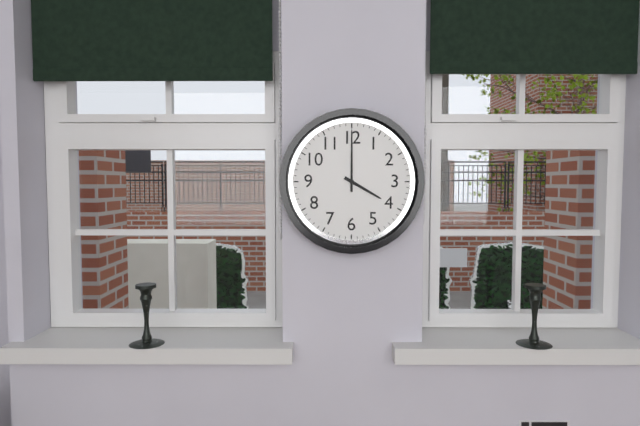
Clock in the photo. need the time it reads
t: 4:00
